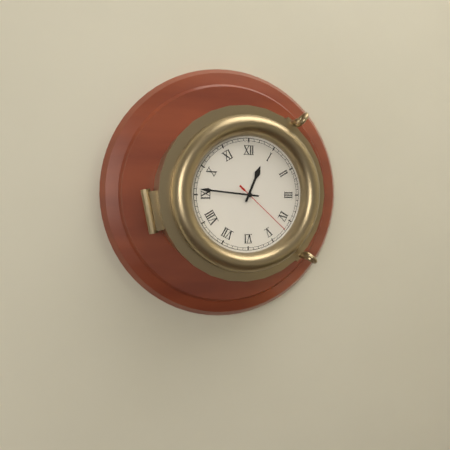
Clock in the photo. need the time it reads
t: 12:46:22
